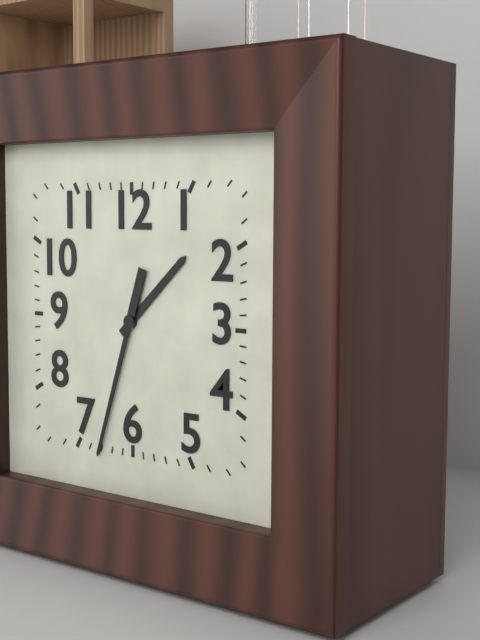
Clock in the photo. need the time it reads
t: 1:33
